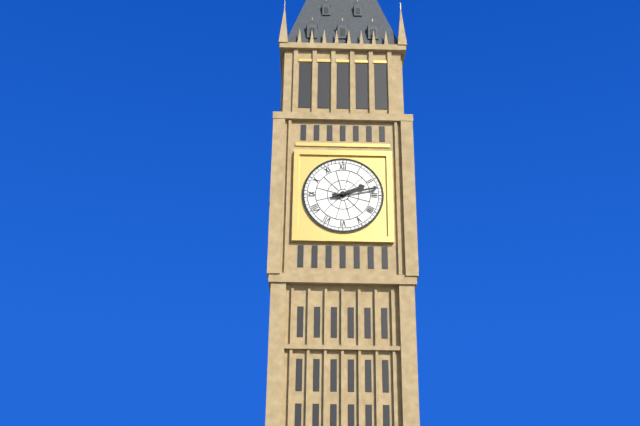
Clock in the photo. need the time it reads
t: 2:13
